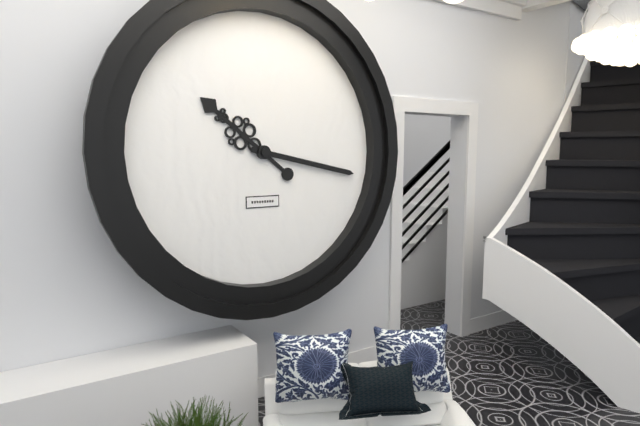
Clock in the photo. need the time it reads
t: 10:17
